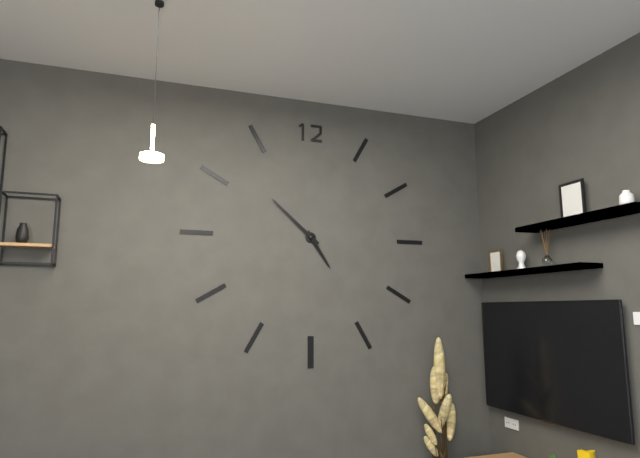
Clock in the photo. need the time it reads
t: 4:52
